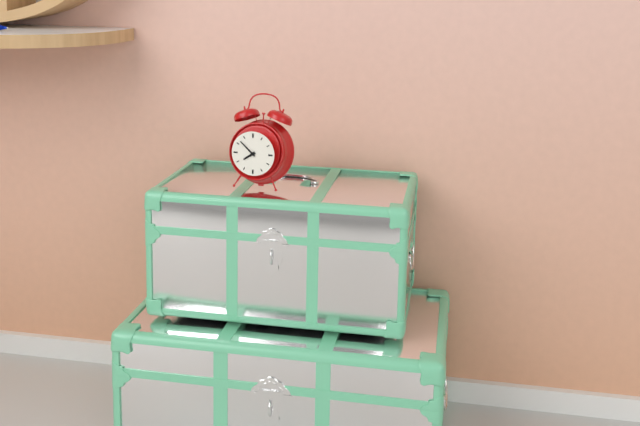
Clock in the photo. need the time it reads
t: 7:52
